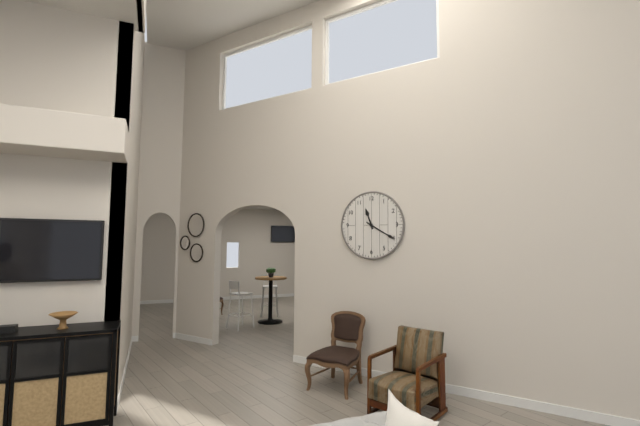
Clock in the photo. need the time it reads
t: 11:20
